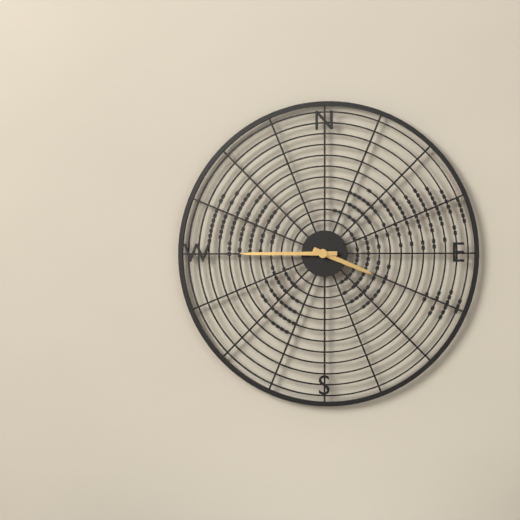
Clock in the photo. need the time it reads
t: 3:45
